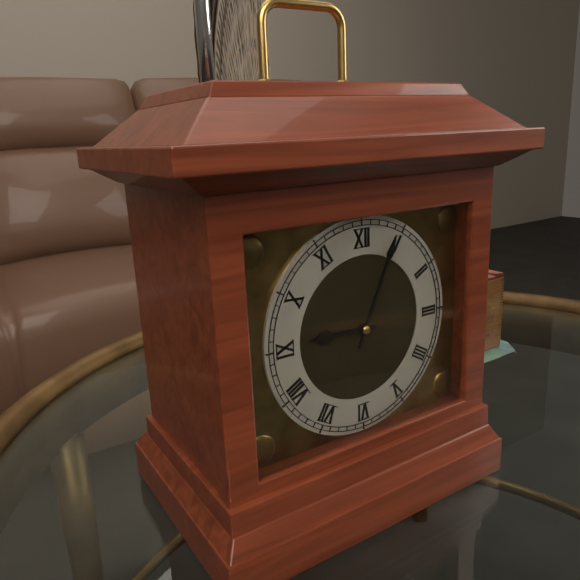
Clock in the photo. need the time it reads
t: 9:04
